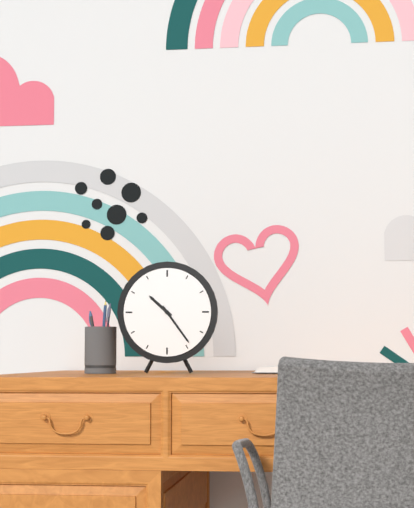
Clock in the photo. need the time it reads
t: 10:24
